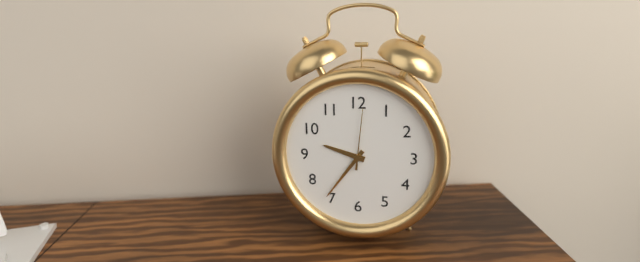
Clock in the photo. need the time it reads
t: 9:36:01
